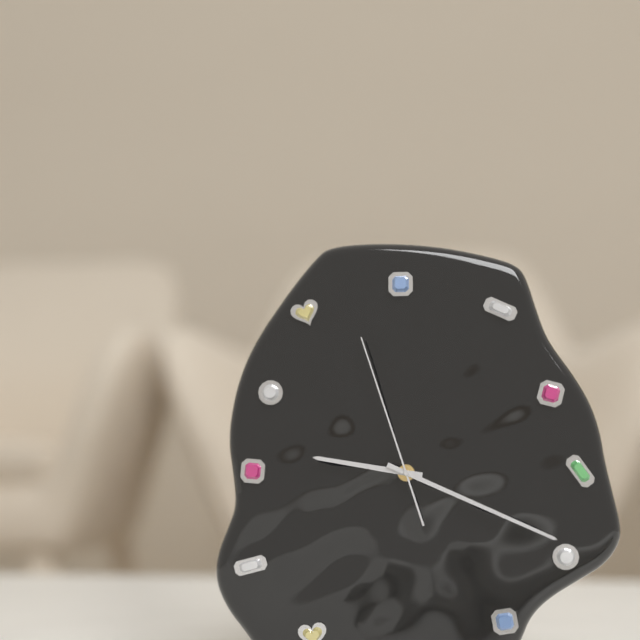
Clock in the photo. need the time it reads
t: 9:19:57
